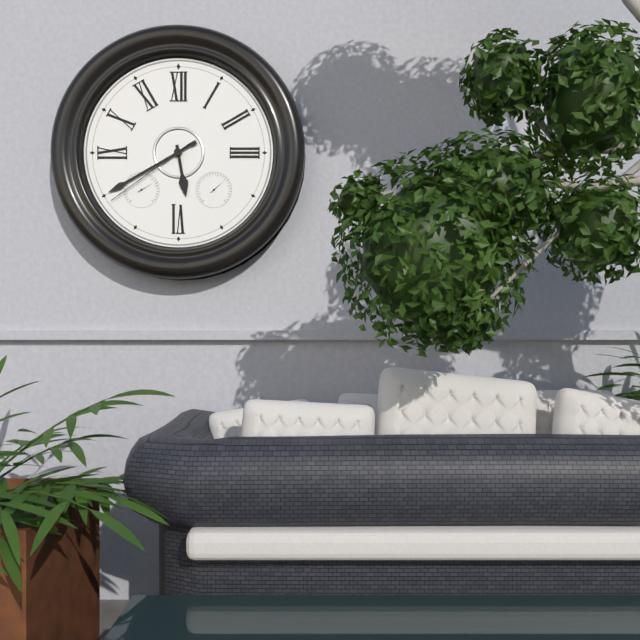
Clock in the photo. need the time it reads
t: 5:40:39
